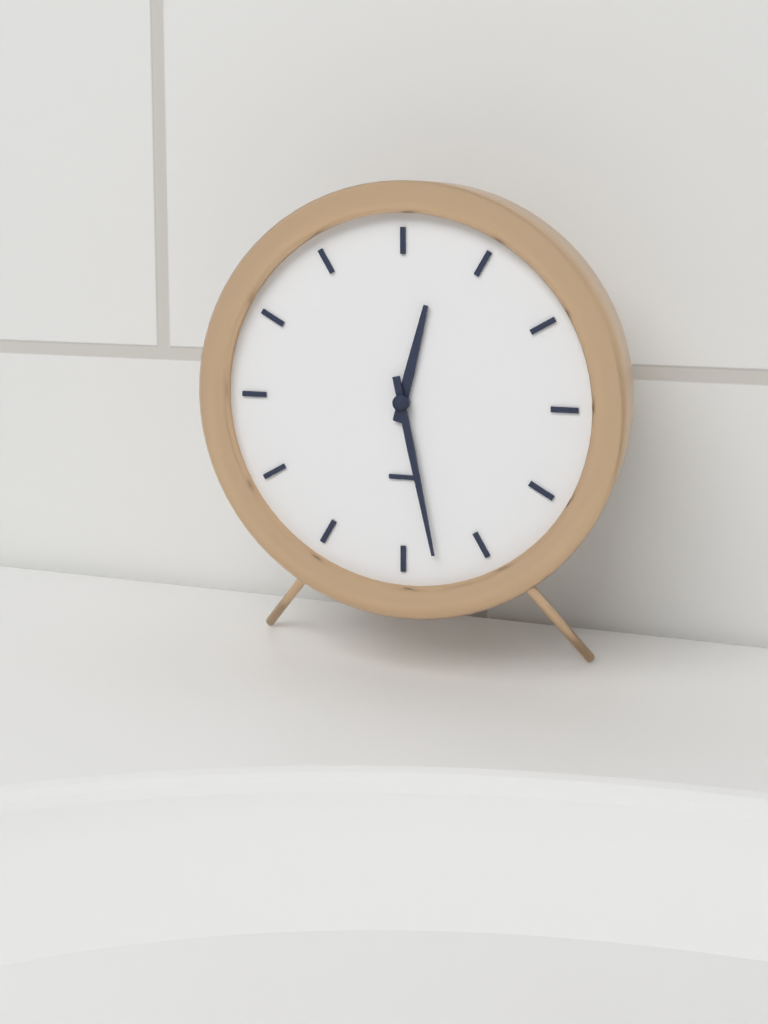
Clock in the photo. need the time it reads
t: 12:28
